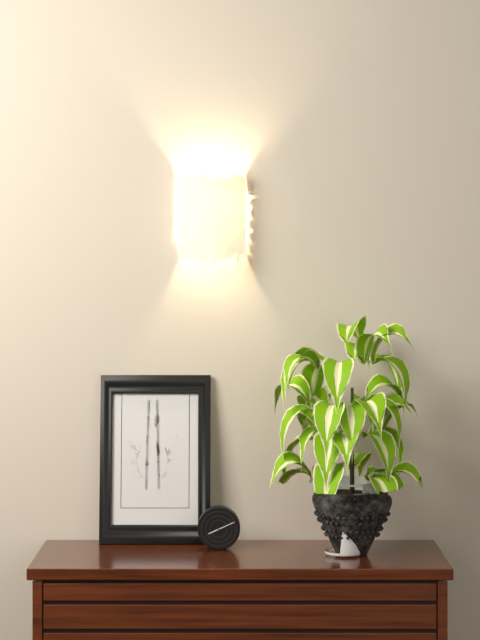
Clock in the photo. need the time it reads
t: 8:11
